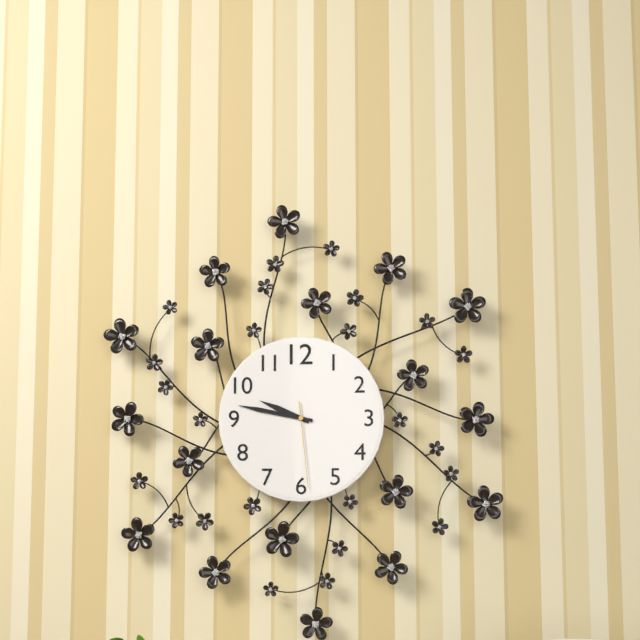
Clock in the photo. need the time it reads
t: 9:47:29
